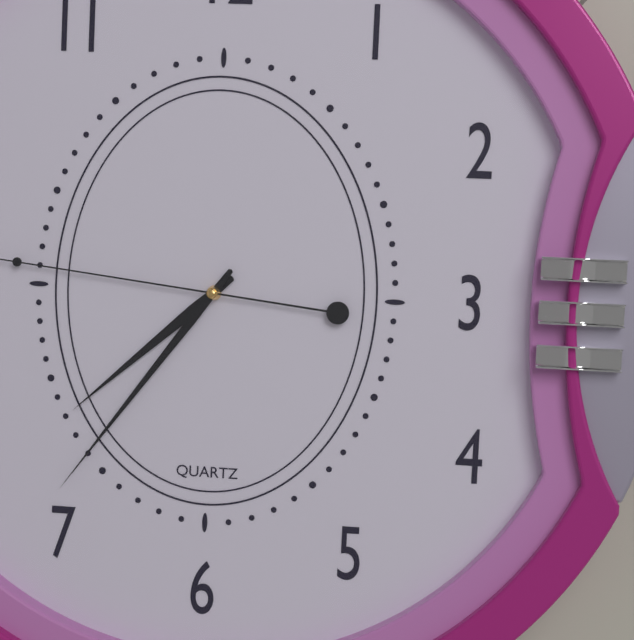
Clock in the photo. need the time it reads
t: 7:36
